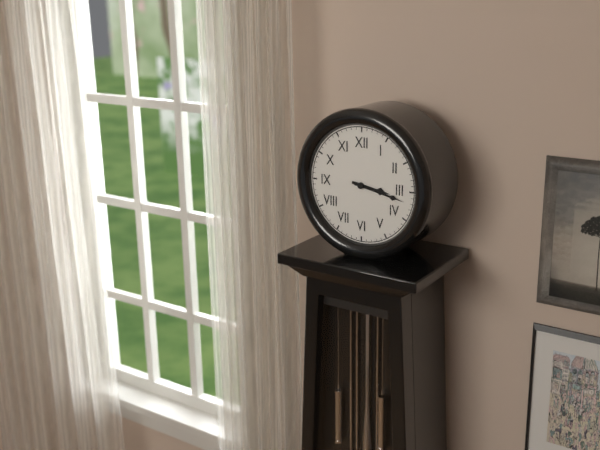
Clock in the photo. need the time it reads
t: 3:17
